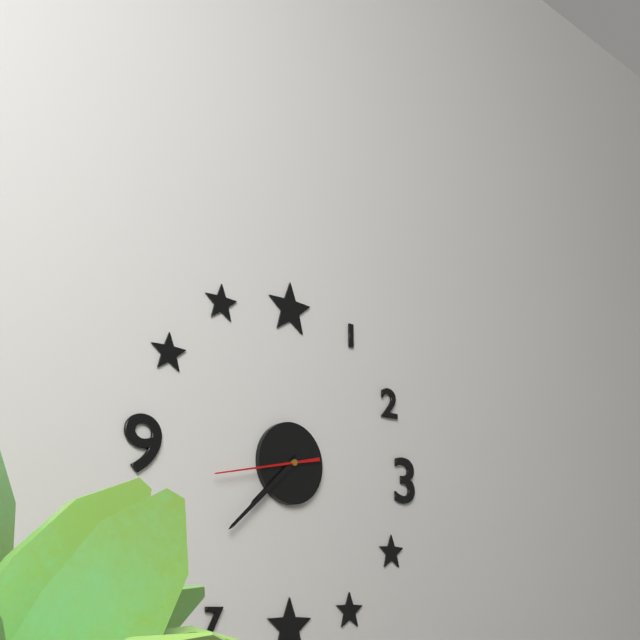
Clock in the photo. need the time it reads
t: 7:38:43
